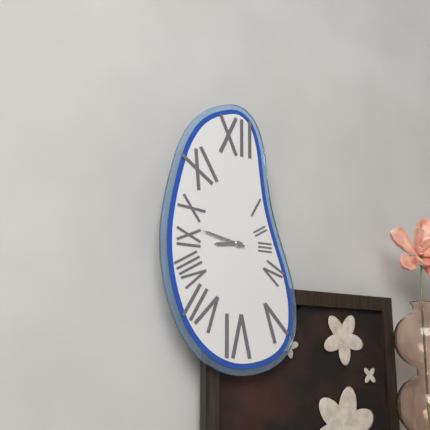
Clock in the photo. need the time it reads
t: 8:47
